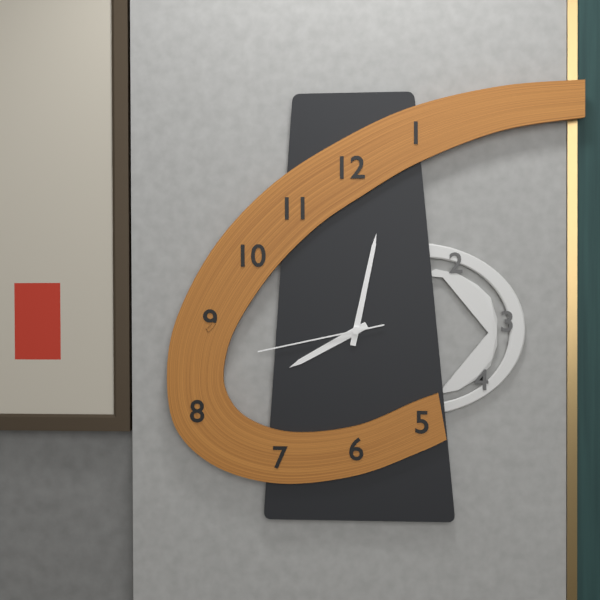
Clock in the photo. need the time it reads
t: 8:02:43
